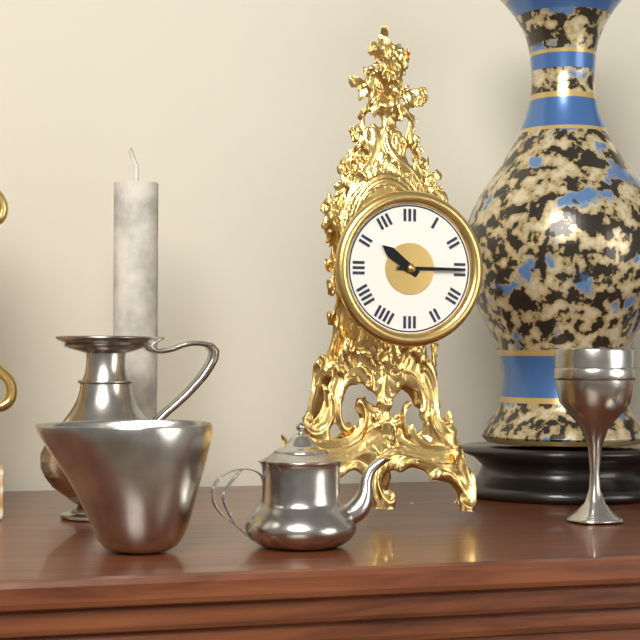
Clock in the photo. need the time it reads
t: 10:15
